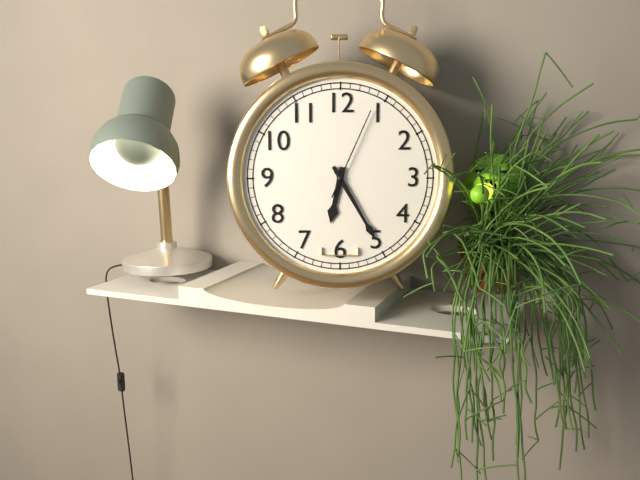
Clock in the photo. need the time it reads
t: 6:25:04
